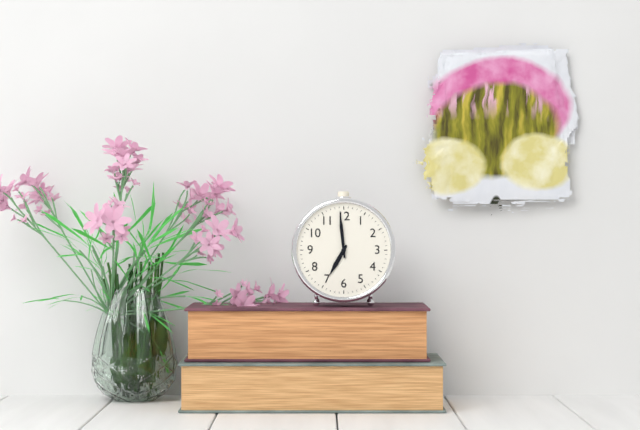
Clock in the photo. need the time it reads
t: 6:59
